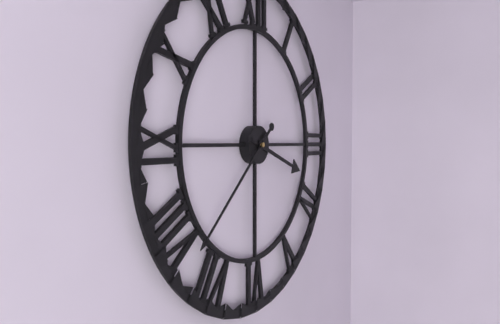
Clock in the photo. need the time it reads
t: 3:38
